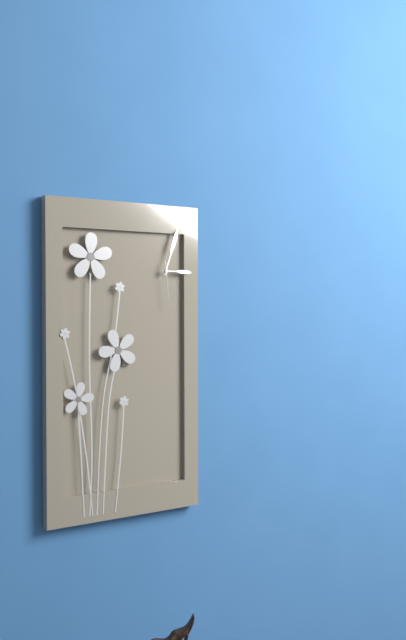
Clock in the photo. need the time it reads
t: 3:03
